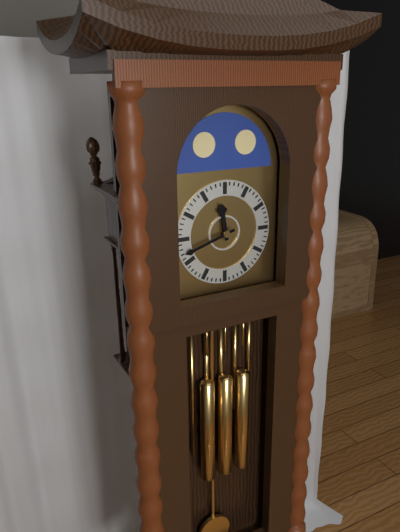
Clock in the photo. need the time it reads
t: 11:42
